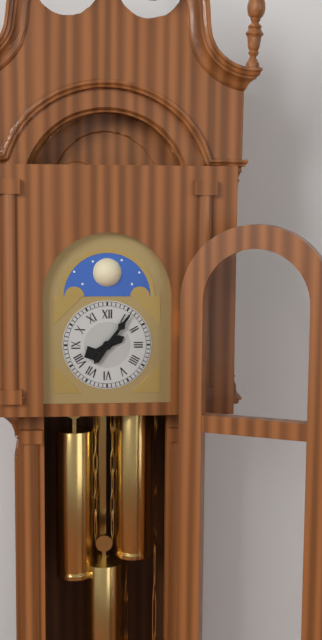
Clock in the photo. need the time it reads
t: 8:06
